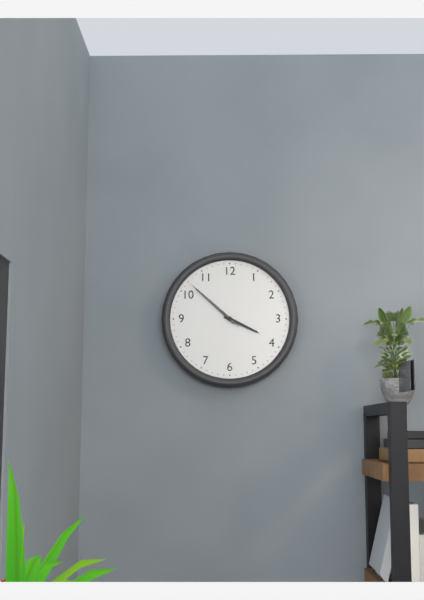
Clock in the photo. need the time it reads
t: 3:52:52
